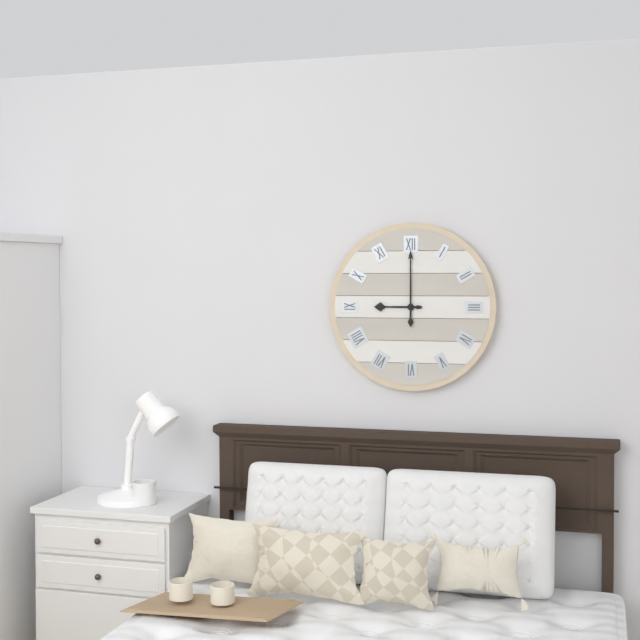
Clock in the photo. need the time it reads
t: 9:00
